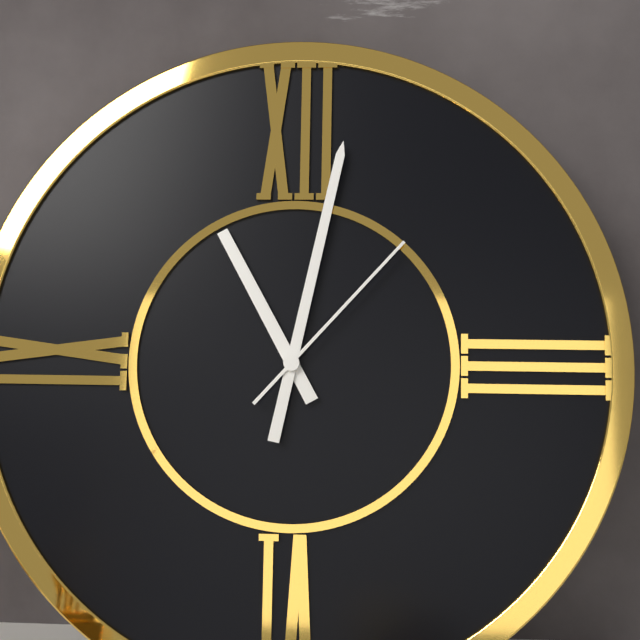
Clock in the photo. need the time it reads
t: 11:02:07
